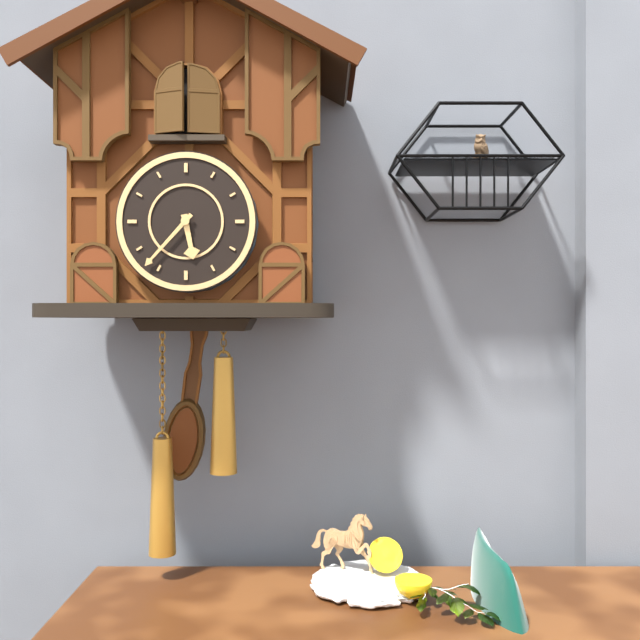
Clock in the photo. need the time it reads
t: 5:37
